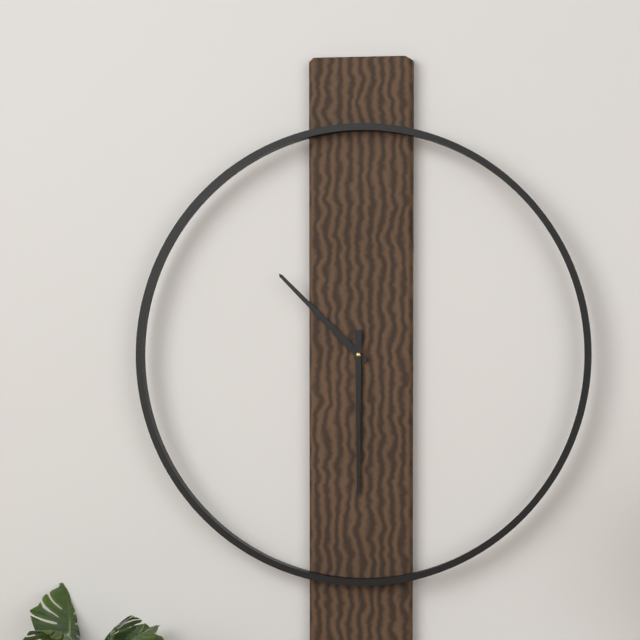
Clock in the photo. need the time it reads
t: 10:30
